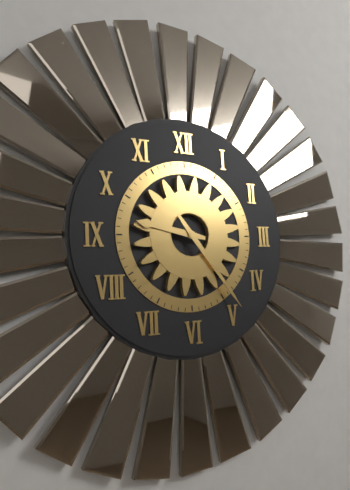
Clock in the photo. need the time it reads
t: 9:24
